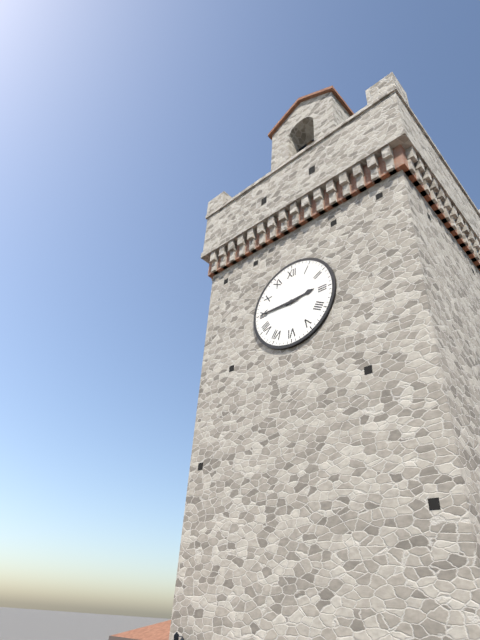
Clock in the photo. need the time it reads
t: 2:45
